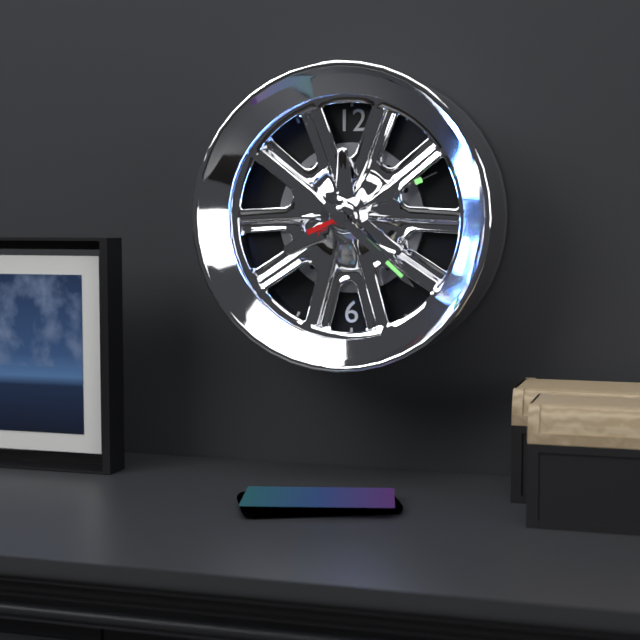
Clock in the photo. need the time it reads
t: 4:22:11
